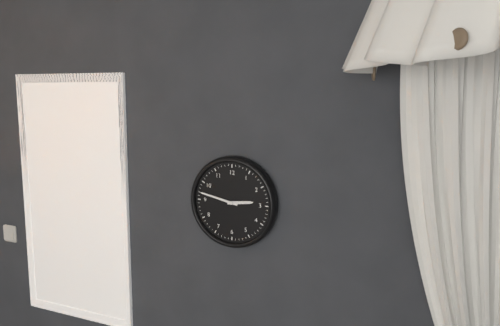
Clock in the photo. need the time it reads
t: 2:47
